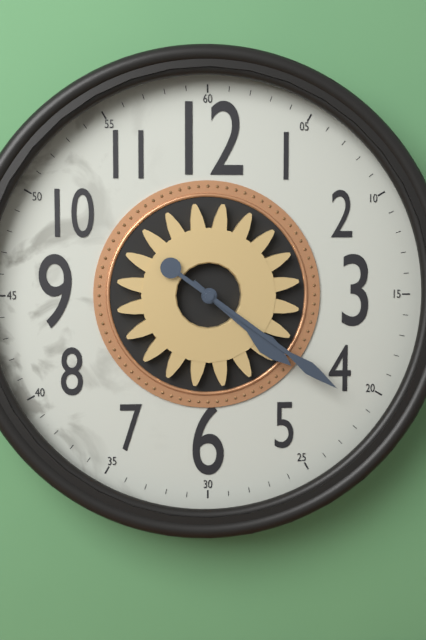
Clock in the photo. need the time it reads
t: 4:21
